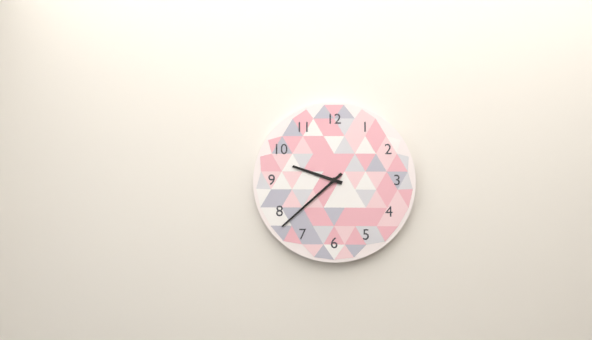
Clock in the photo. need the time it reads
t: 9:38
